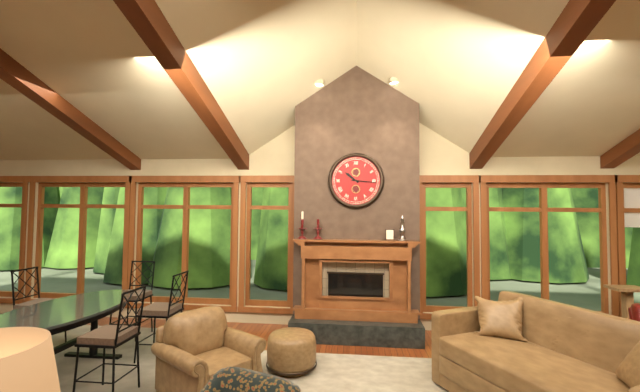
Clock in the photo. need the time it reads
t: 10:16
